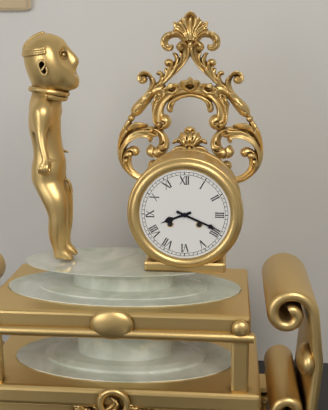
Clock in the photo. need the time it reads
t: 8:19
